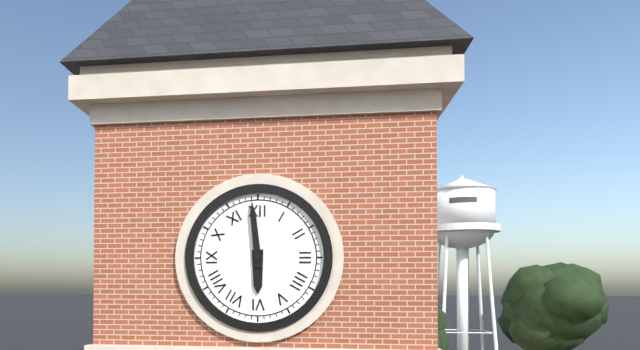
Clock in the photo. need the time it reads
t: 5:59
